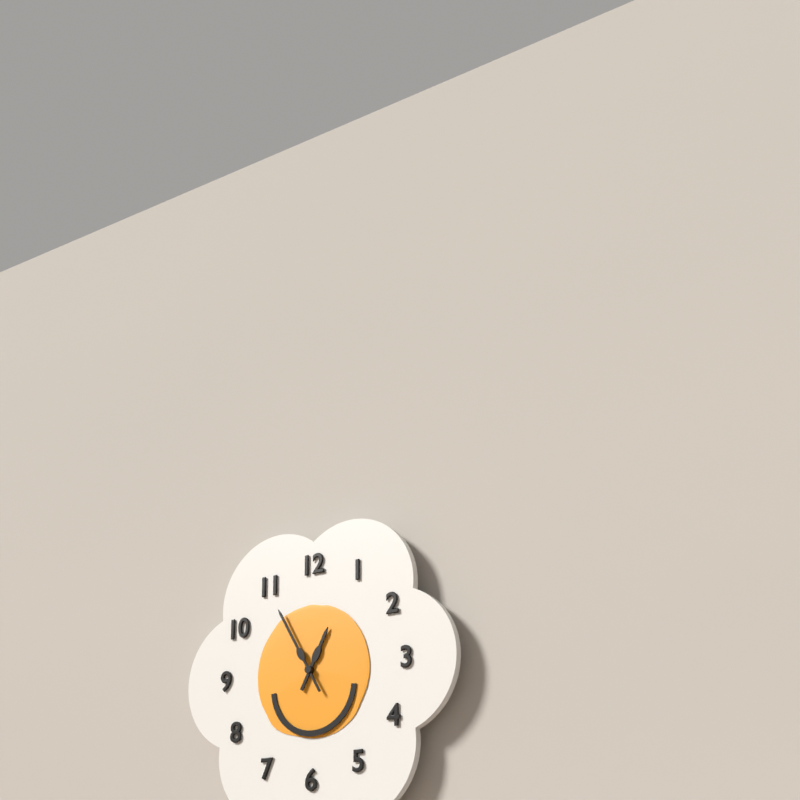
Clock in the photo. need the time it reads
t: 12:55
